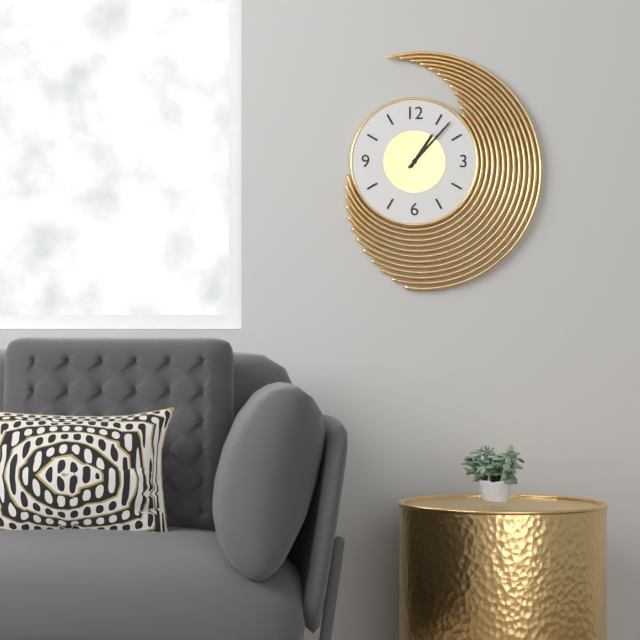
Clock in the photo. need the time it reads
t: 1:07
